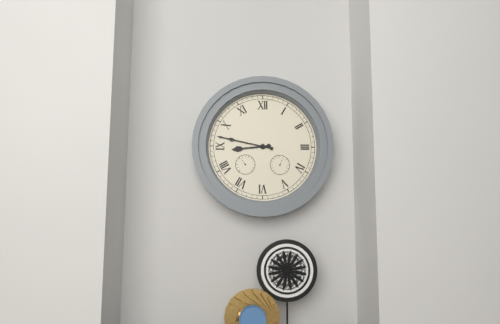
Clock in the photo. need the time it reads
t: 8:47
